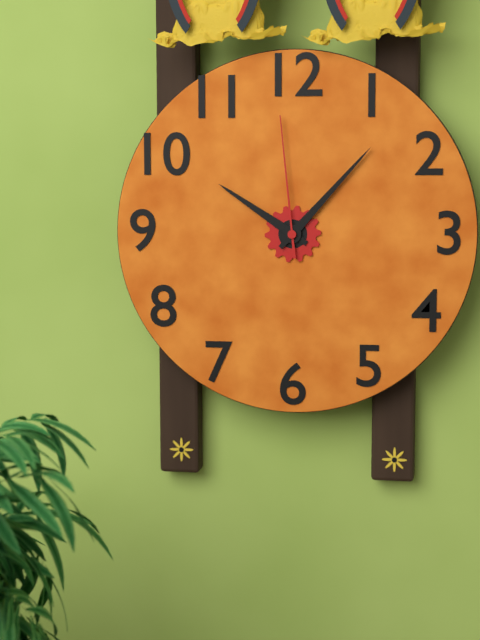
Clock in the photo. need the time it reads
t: 10:07:59
